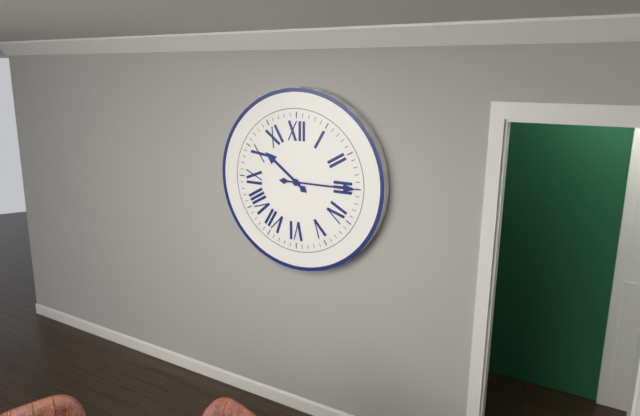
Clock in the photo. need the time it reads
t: 10:15
